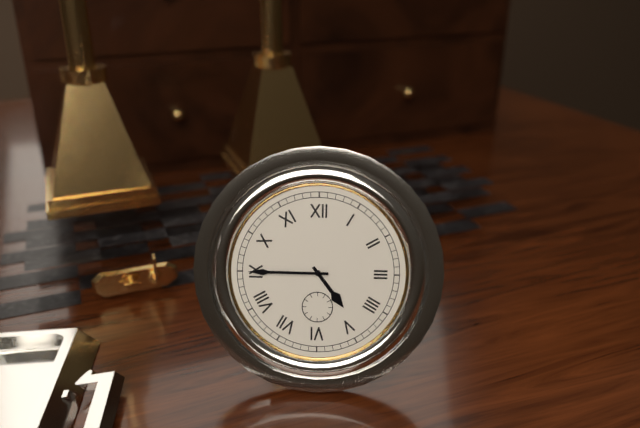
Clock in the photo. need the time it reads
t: 4:45
